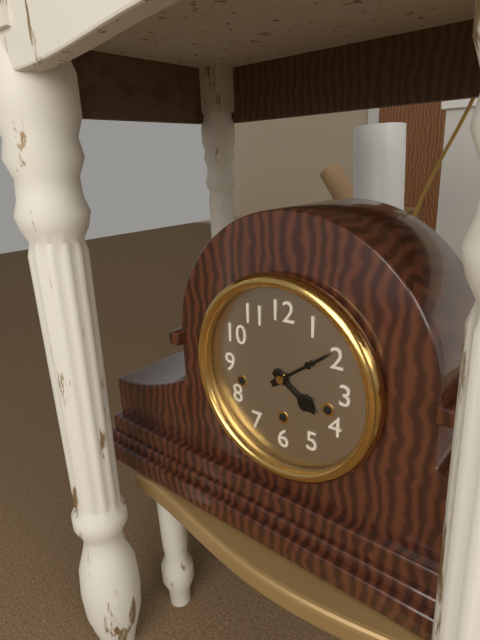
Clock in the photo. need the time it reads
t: 4:09
